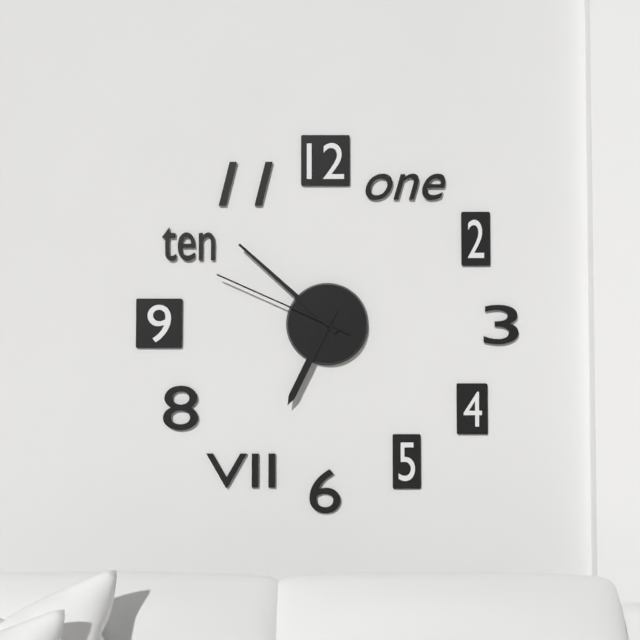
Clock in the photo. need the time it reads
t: 6:52:49
